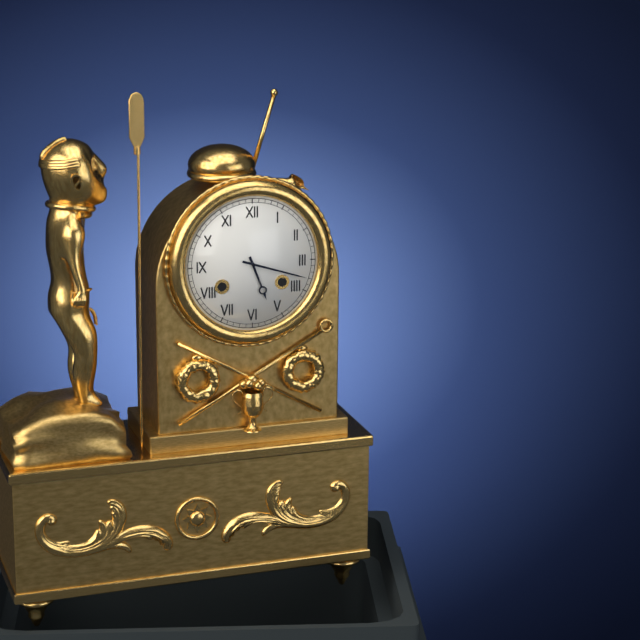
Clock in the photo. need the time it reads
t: 5:18
